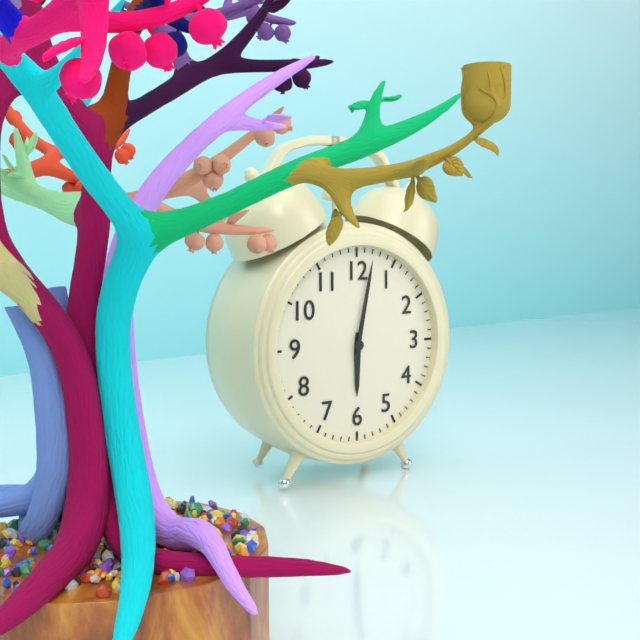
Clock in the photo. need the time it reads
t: 6:02
